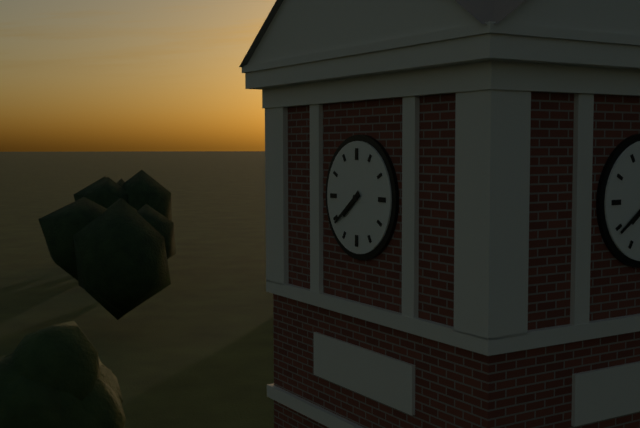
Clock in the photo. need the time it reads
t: 7:39
